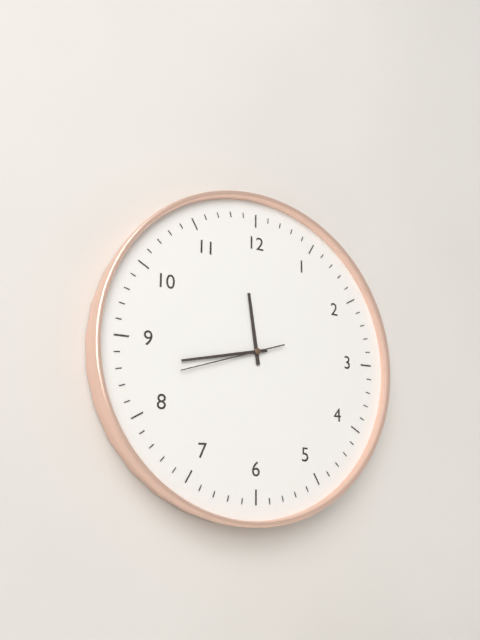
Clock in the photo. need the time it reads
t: 11:43:42
